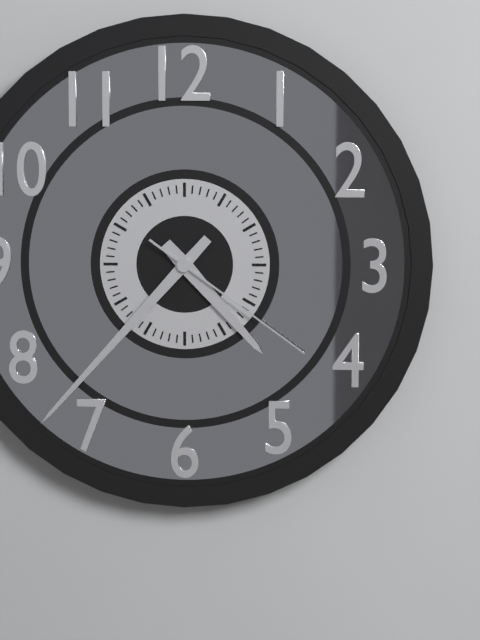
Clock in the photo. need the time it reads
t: 4:37:21
